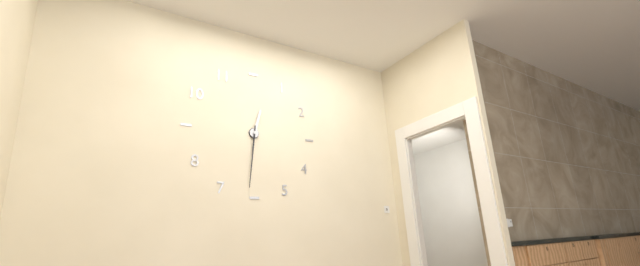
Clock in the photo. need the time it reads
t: 12:31
